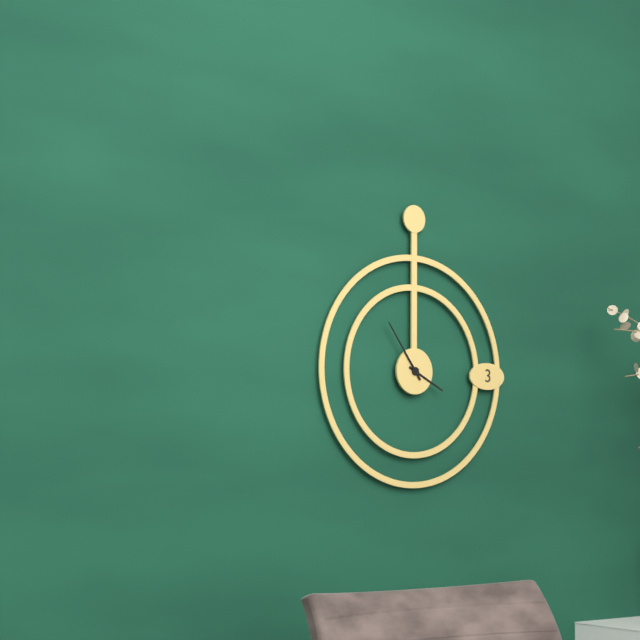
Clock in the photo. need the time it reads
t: 3:54
